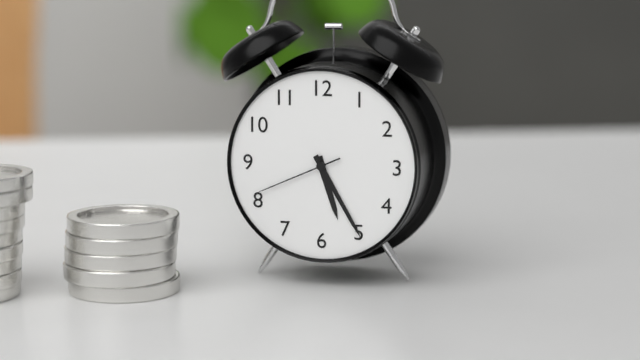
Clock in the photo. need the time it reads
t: 5:25:41
